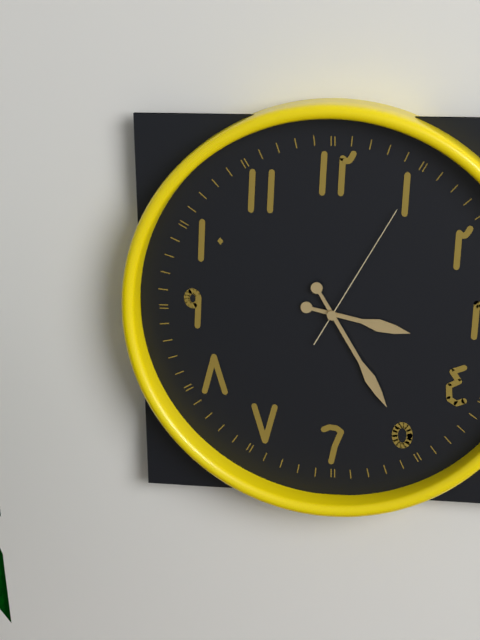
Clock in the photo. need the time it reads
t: 3:25:05
